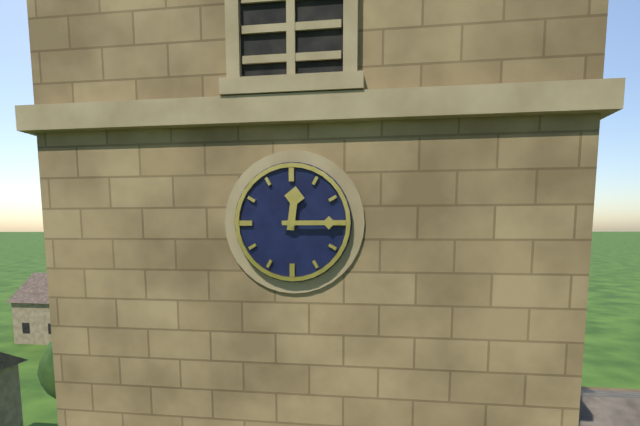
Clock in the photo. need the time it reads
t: 12:15
